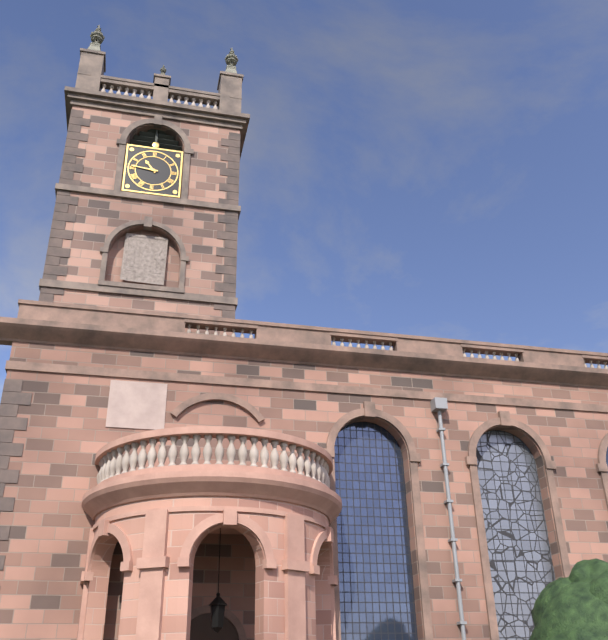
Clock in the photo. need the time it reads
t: 10:46
